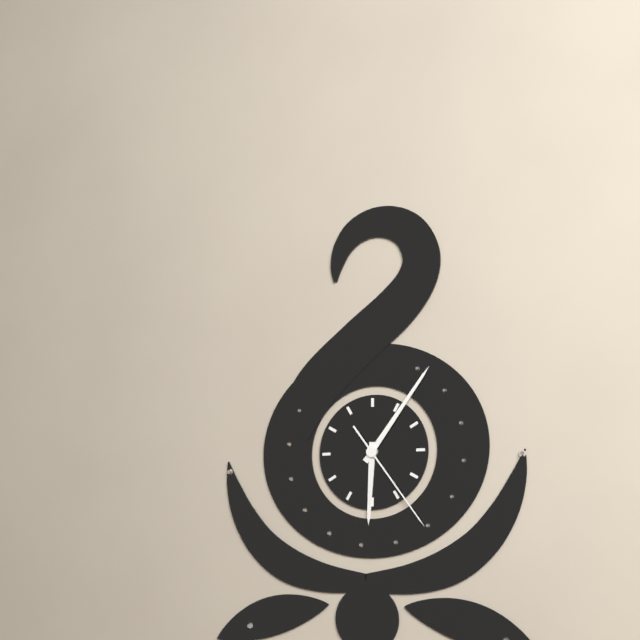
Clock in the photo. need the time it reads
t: 6:06:24
